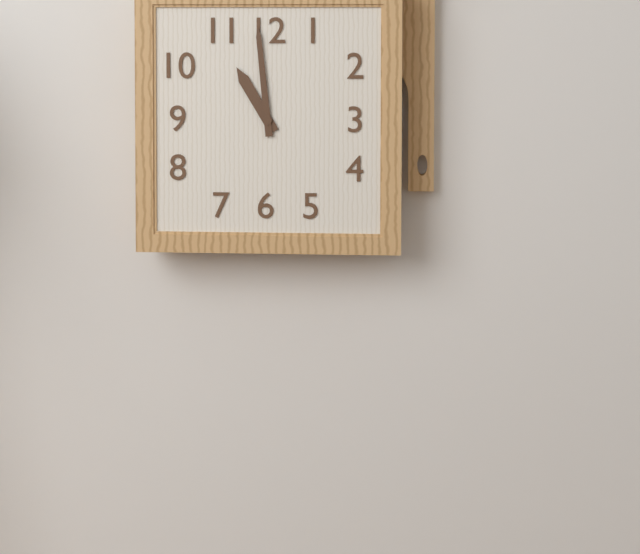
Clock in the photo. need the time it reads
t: 10:59
